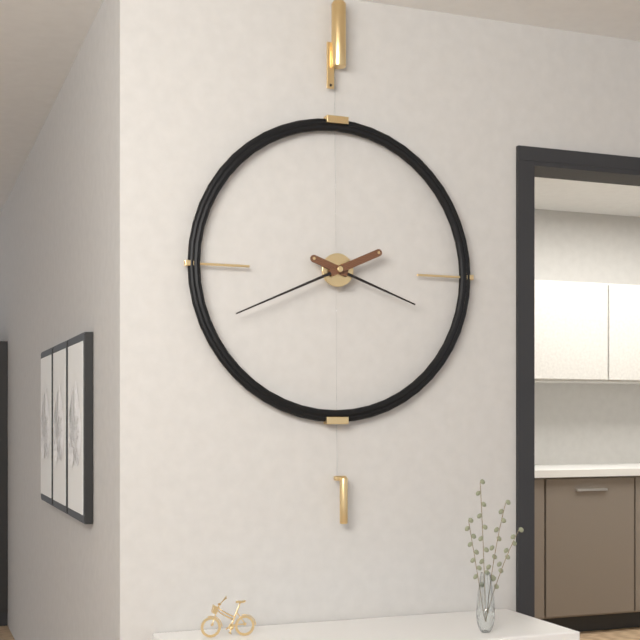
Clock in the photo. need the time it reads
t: 3:41
